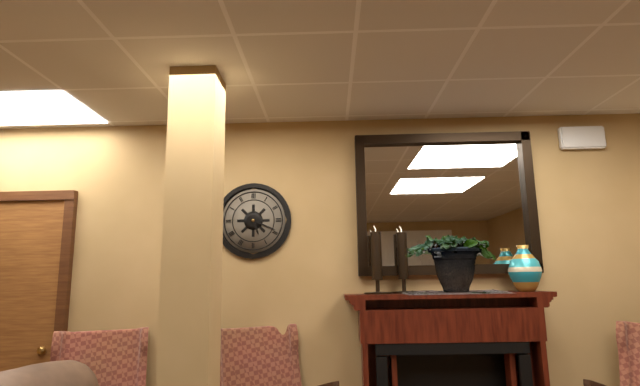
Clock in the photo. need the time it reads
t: 5:19
